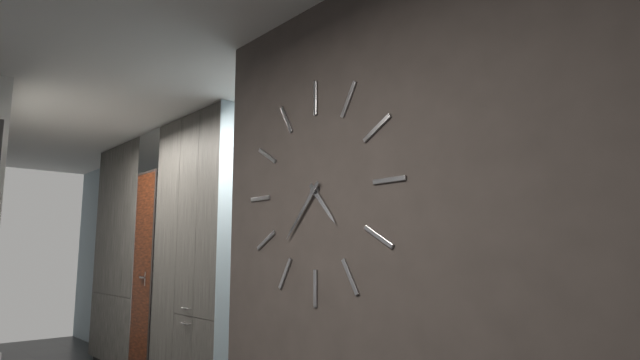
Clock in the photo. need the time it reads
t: 4:37
